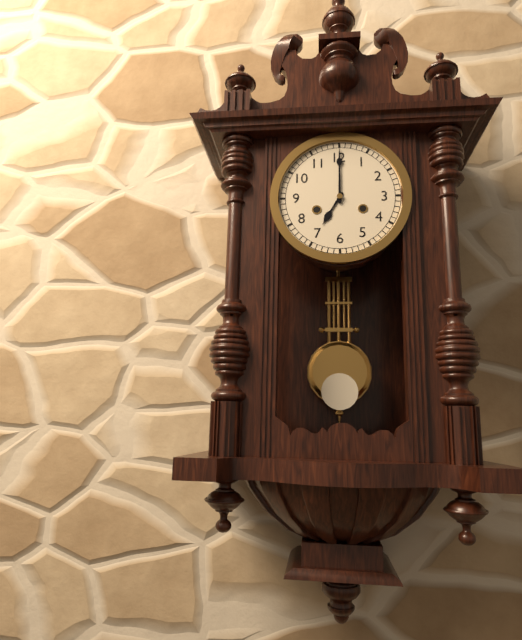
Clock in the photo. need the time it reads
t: 7:00
